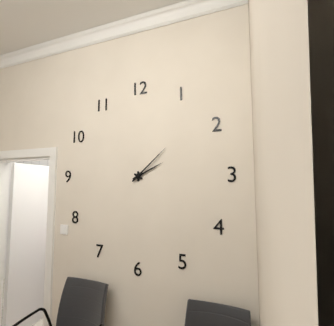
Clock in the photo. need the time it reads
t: 2:08
